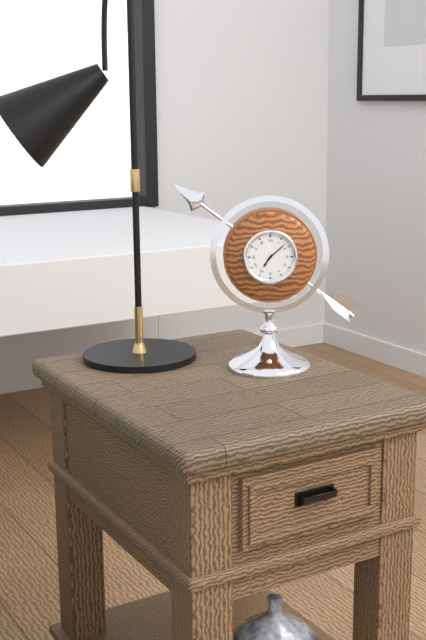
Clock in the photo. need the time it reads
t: 7:08
